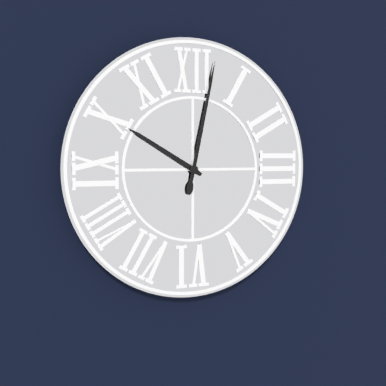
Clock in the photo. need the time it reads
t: 10:02
